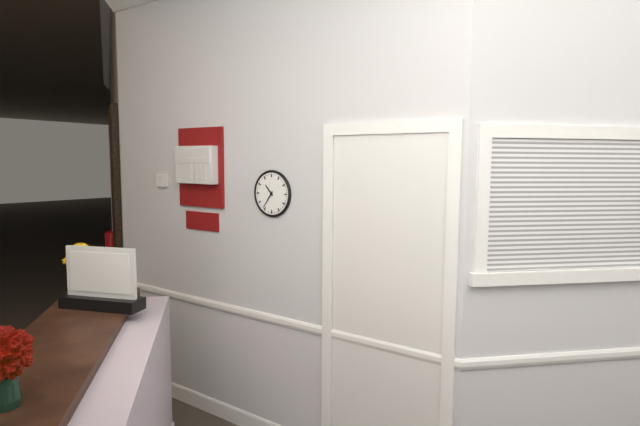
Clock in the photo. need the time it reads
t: 10:36
